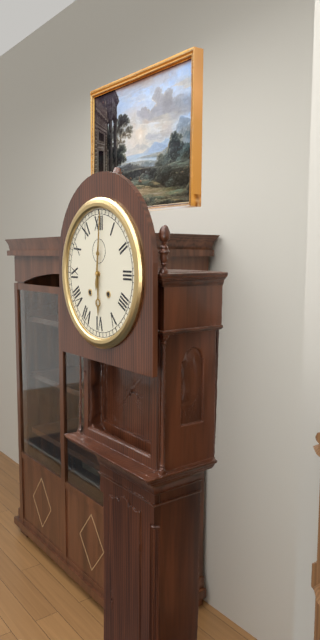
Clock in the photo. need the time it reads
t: 6:01
